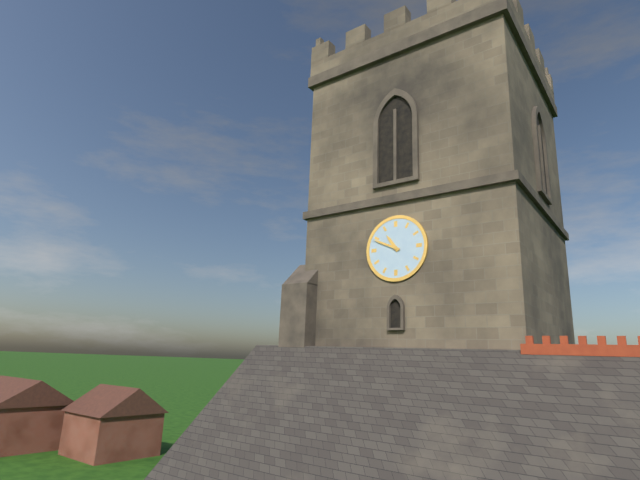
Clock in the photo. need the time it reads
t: 10:49
